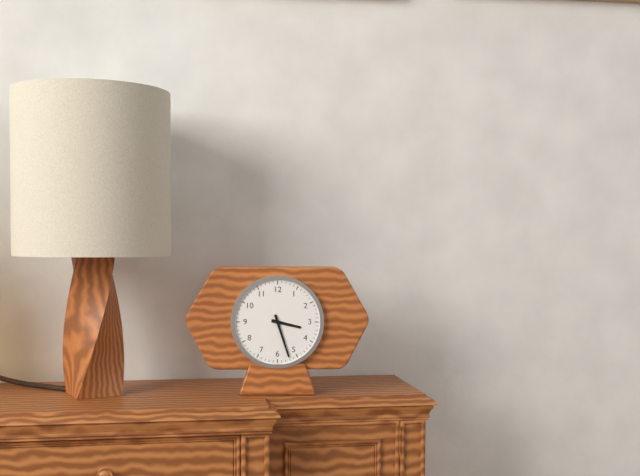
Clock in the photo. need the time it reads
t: 3:27
